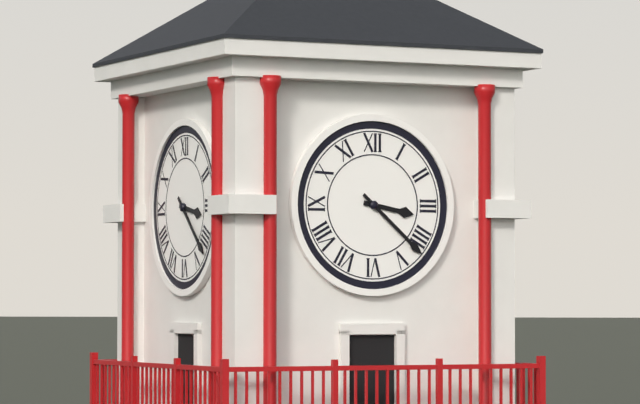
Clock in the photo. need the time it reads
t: 3:22
